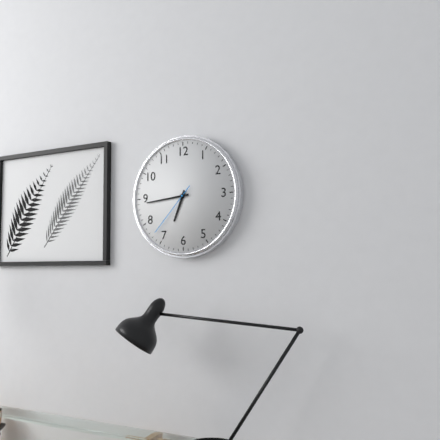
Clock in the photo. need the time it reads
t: 6:44:37
